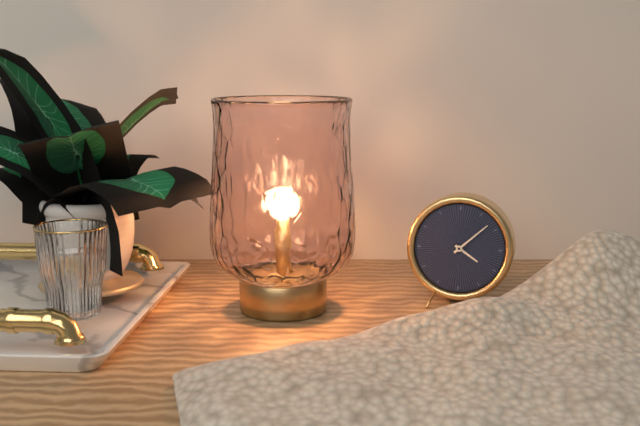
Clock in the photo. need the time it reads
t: 4:08
